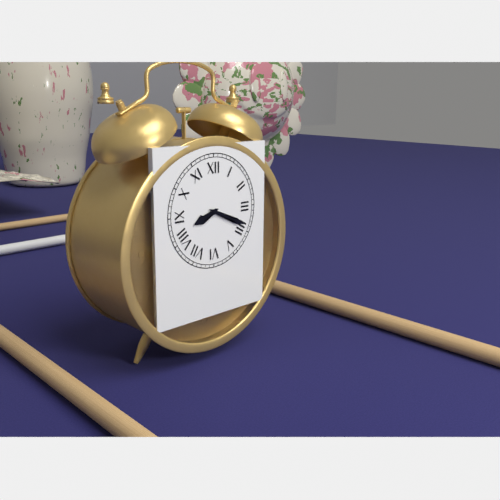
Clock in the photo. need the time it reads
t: 8:19
